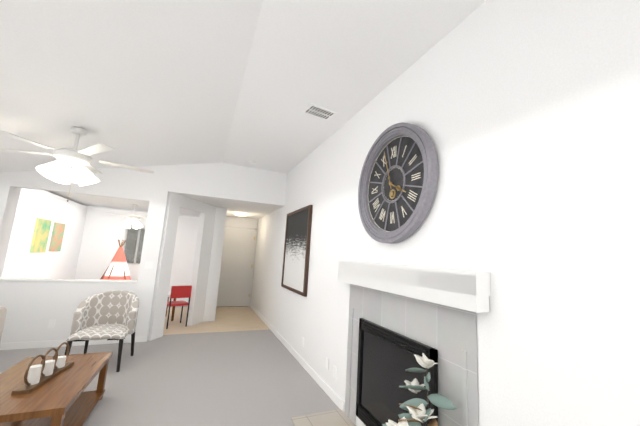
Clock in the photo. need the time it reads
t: 3:57
